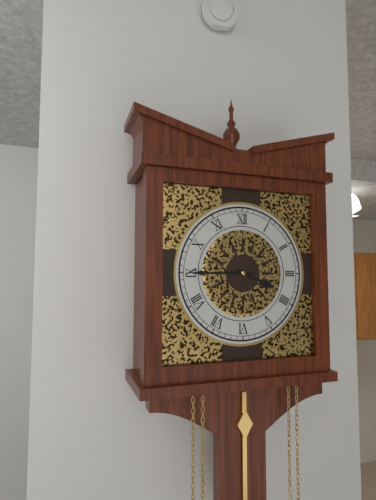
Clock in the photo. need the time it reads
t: 3:45
